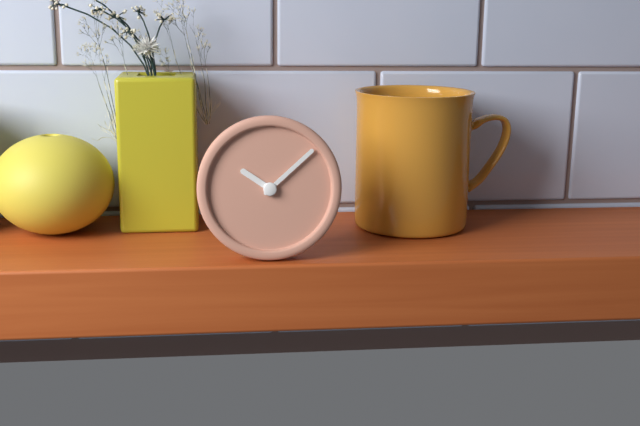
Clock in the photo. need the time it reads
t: 10:08
